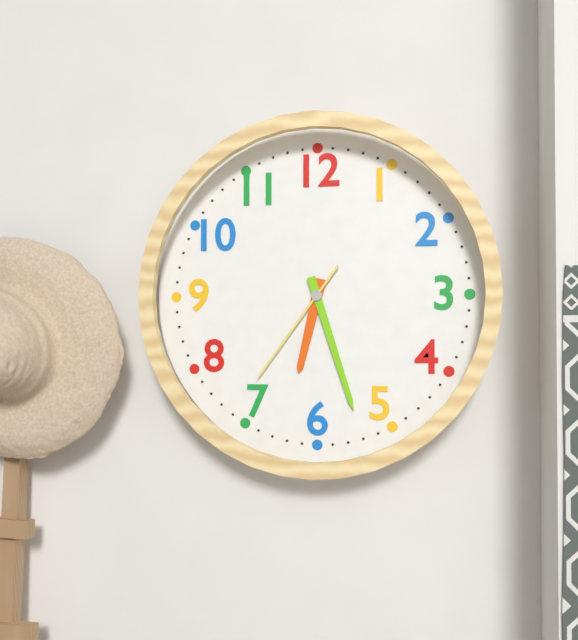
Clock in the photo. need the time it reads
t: 6:27:36
